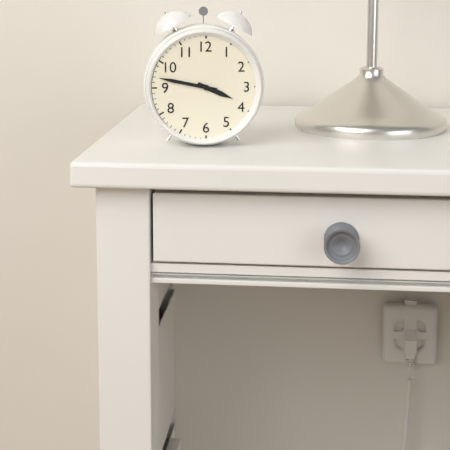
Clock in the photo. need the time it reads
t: 3:47
